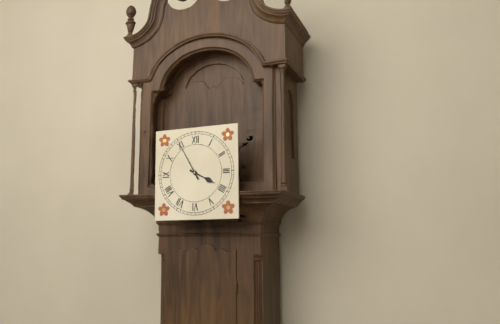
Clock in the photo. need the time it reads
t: 3:55
